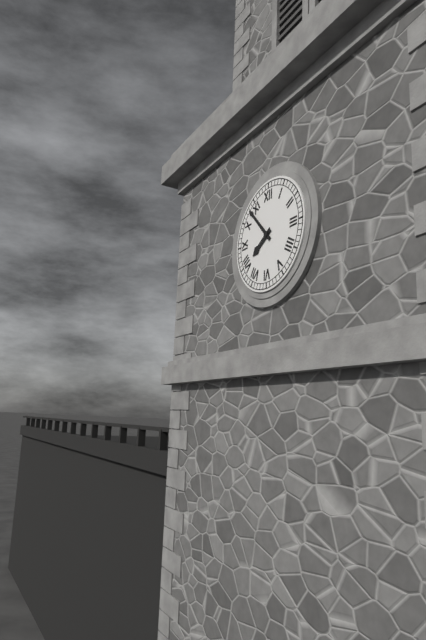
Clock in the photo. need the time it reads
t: 7:53
